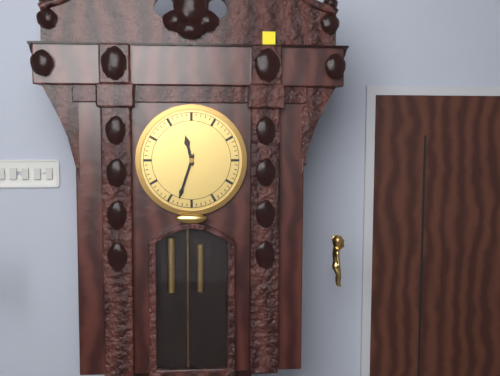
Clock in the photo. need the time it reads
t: 11:33
